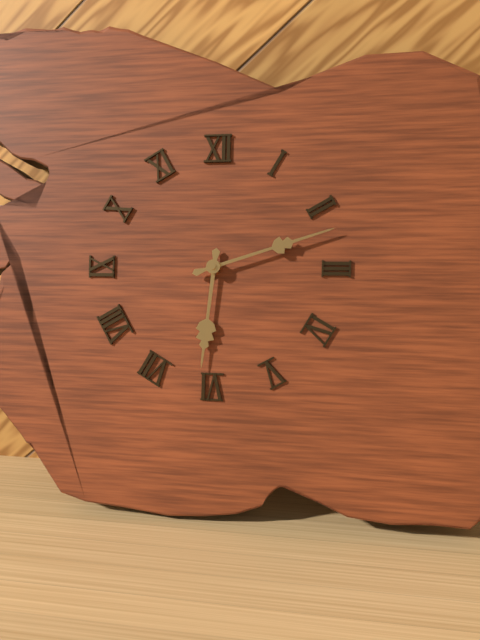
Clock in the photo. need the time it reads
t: 6:12
